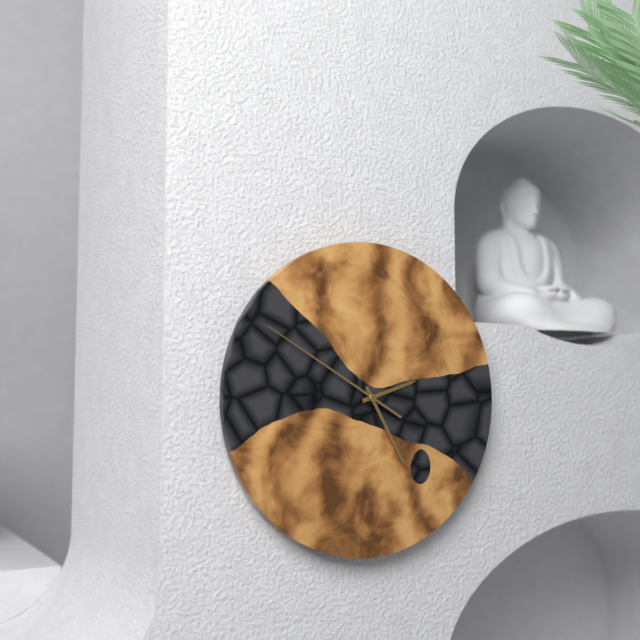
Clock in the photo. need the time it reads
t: 2:25:50
